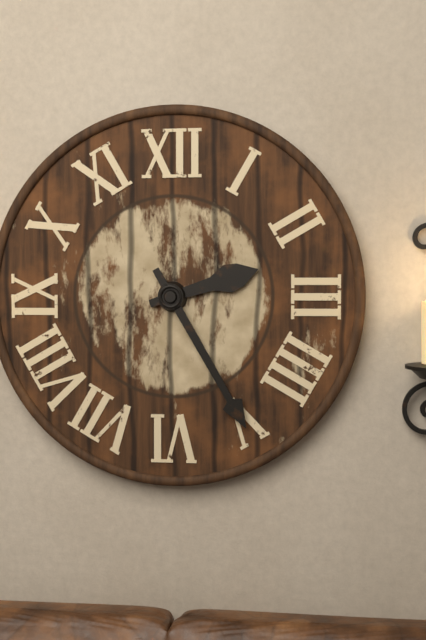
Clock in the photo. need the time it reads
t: 2:25
